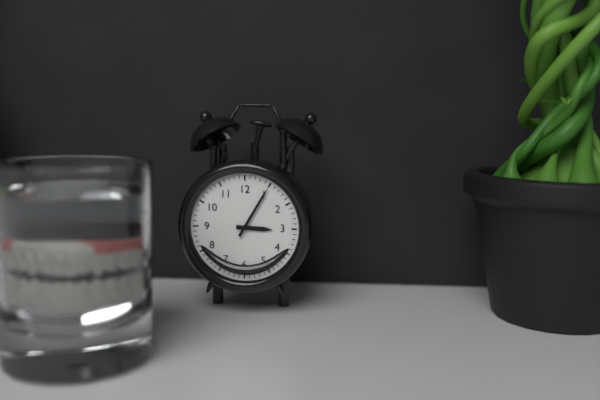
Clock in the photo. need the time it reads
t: 3:05
